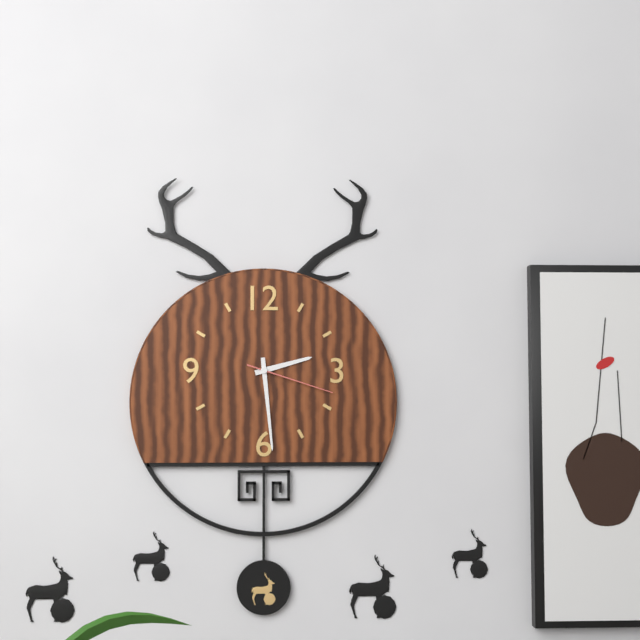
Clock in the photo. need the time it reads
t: 2:29:18
